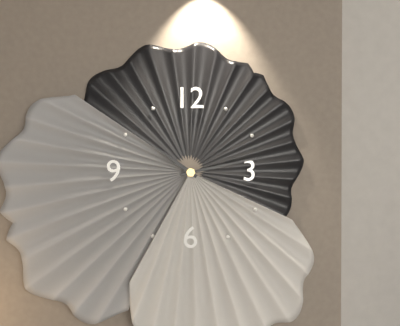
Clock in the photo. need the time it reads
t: 10:13
